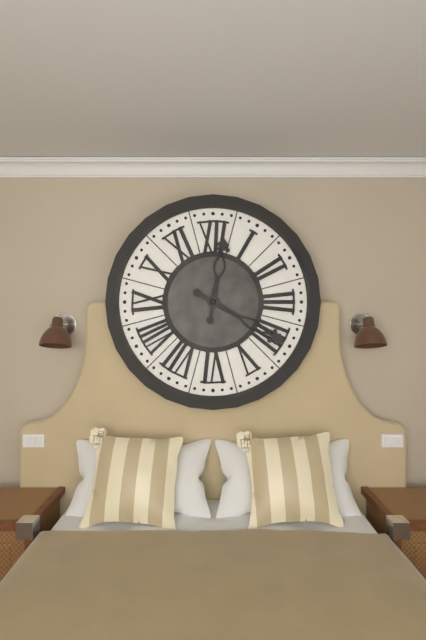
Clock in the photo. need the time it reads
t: 12:20
